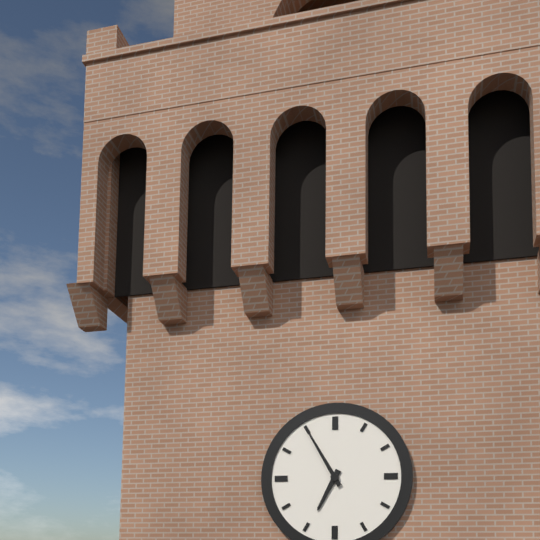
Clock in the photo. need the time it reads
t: 6:55
